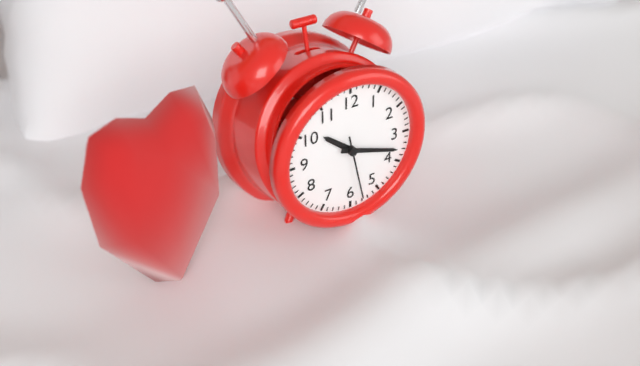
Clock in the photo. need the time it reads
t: 10:18:28
